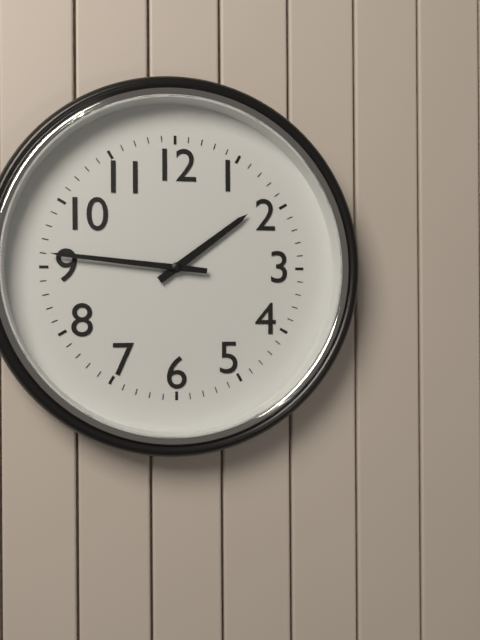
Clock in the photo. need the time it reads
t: 1:46
